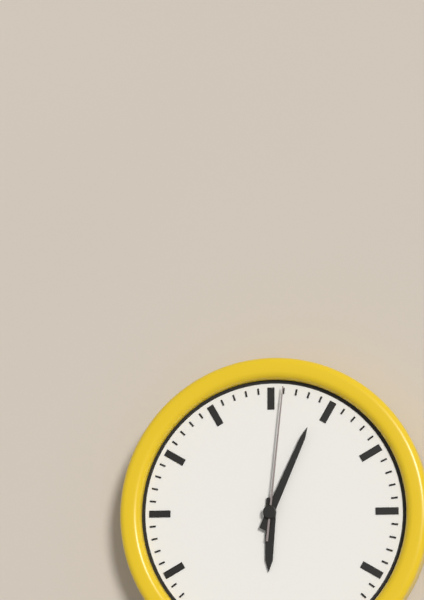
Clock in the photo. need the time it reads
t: 6:04:01
